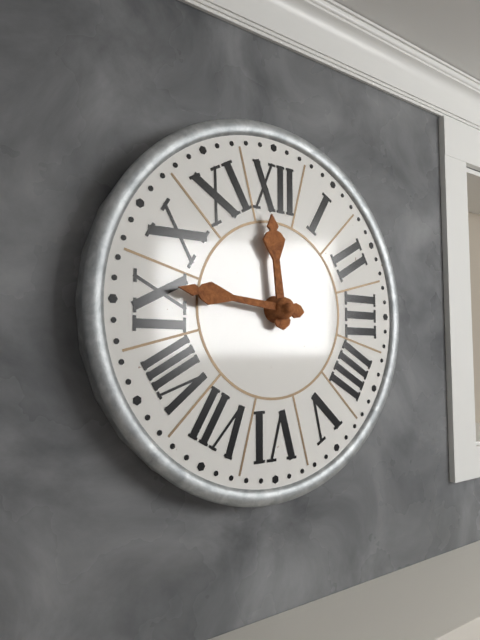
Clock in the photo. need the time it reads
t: 11:46
